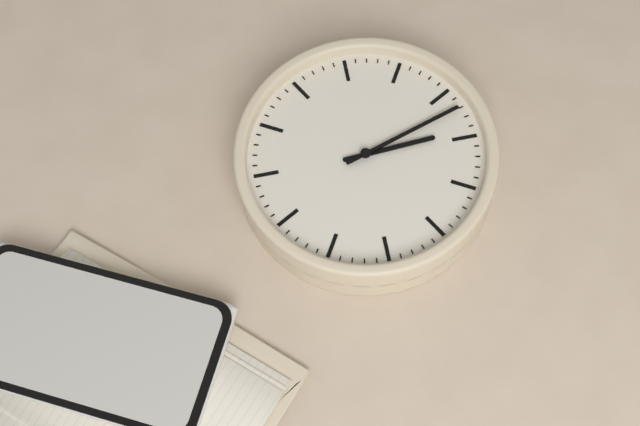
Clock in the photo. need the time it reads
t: 10:52
